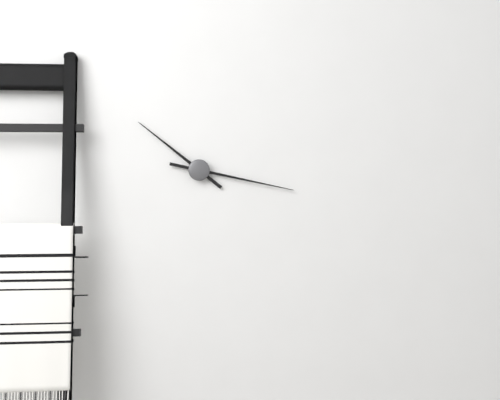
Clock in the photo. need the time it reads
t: 10:17
